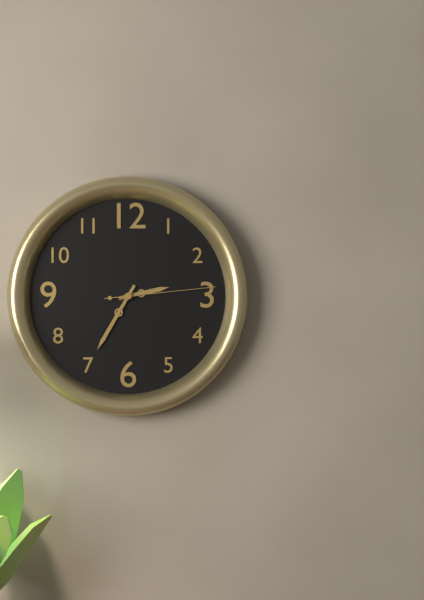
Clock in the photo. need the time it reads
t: 2:35:14
